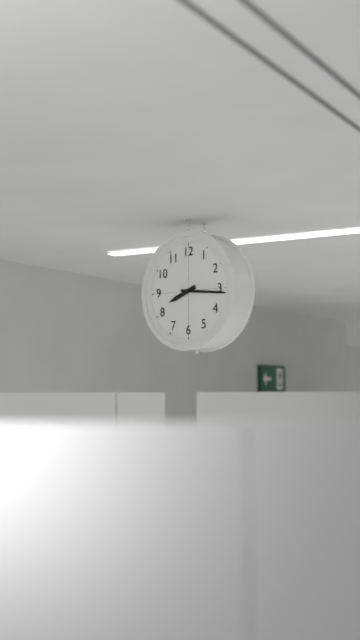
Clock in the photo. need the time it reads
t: 8:16
